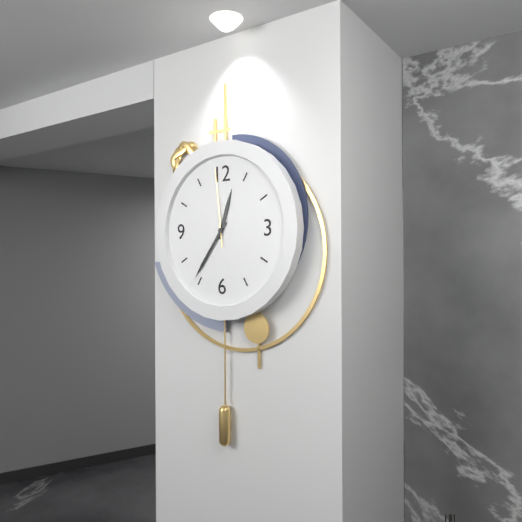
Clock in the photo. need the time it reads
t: 12:36:59
